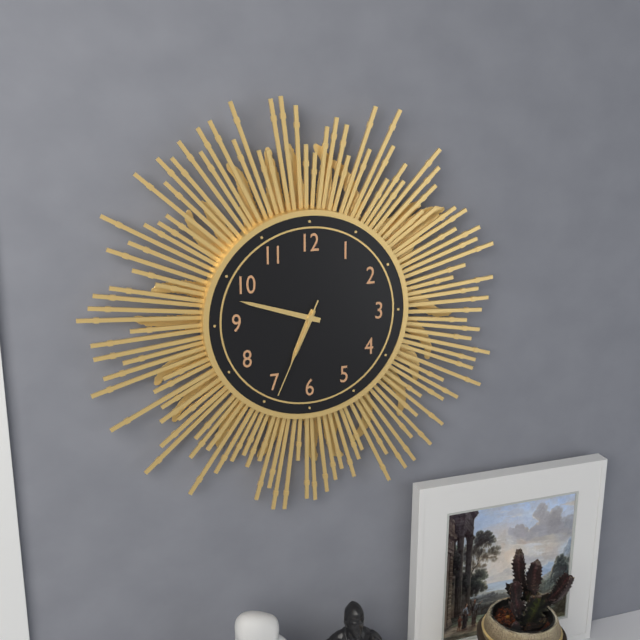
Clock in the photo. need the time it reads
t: 6:48:34
